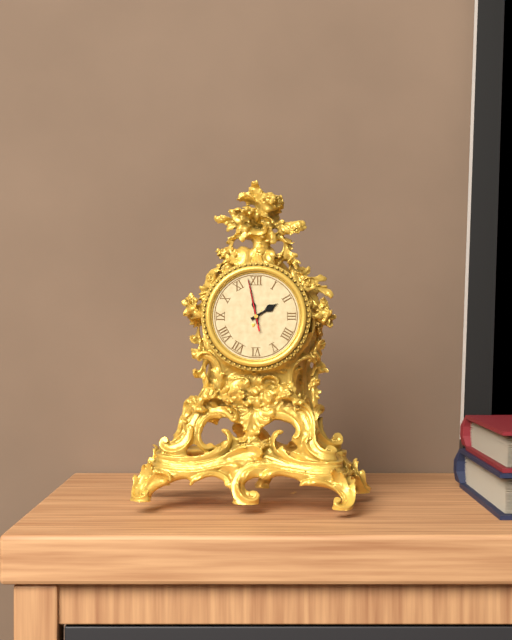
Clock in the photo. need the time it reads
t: 1:58
